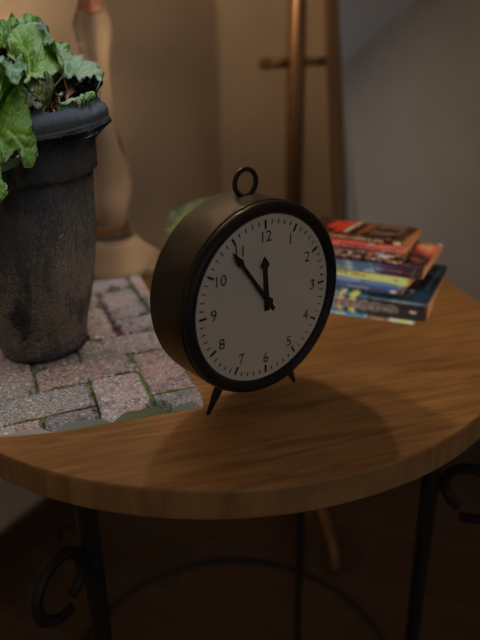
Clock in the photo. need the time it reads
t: 11:54
